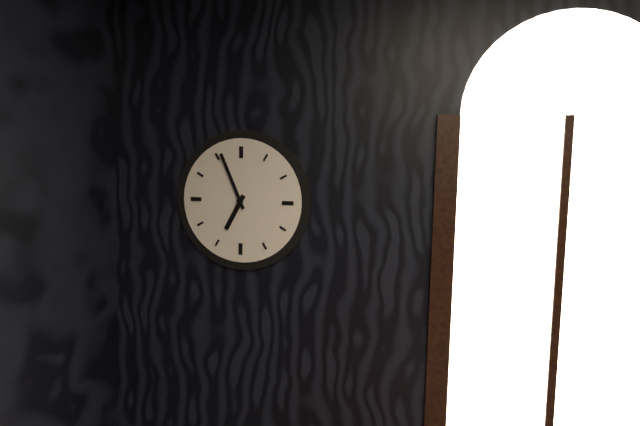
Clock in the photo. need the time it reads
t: 6:56
